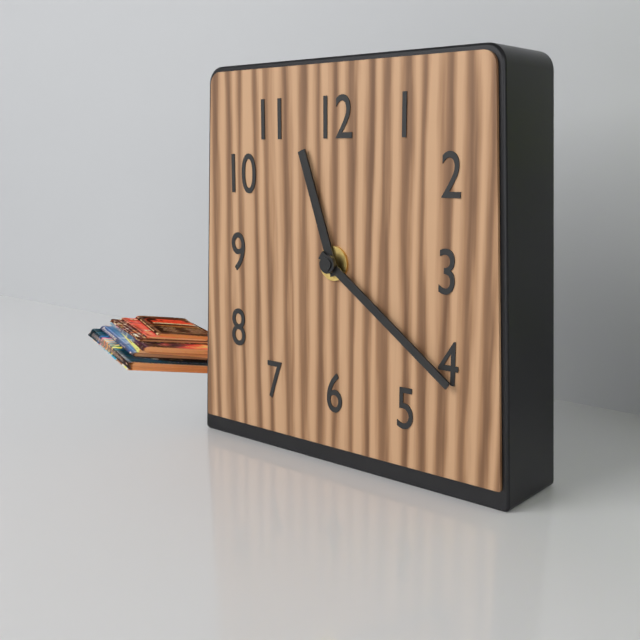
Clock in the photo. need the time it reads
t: 11:21
